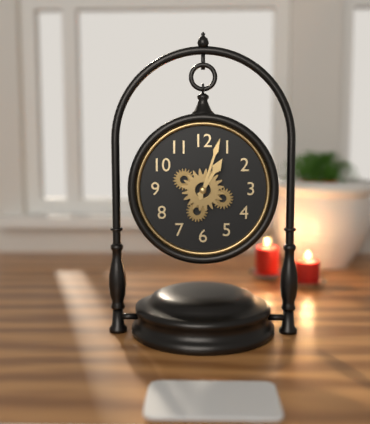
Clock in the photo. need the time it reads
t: 1:03
